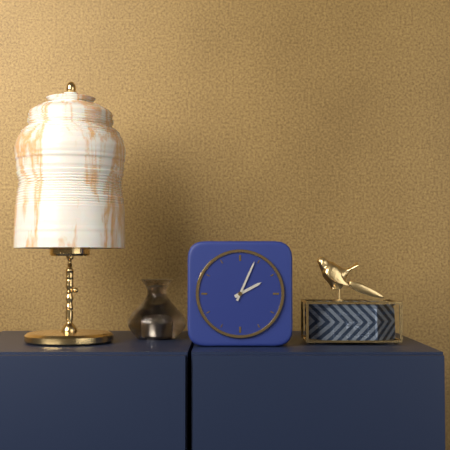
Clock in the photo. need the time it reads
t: 2:04
